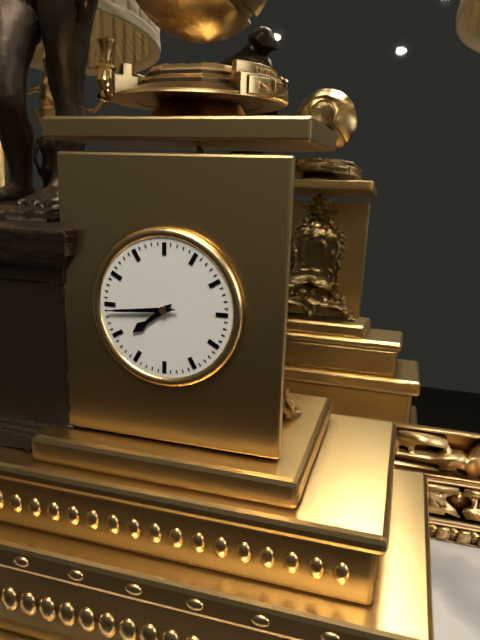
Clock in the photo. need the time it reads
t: 7:44
